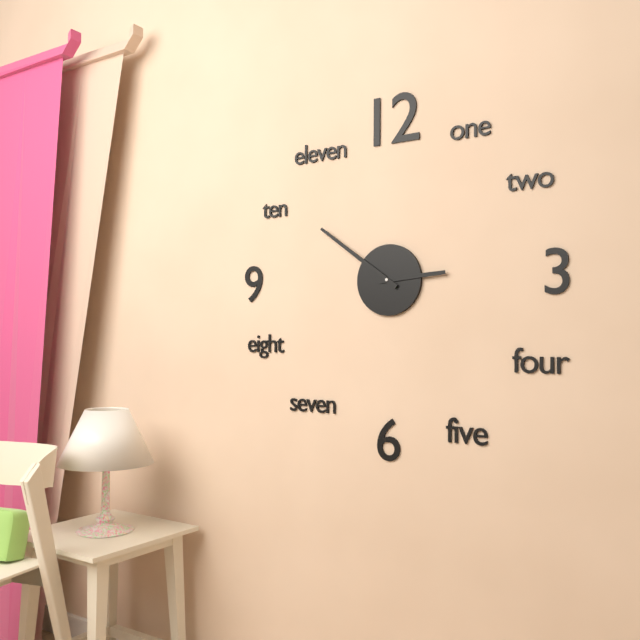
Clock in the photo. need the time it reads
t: 2:51
